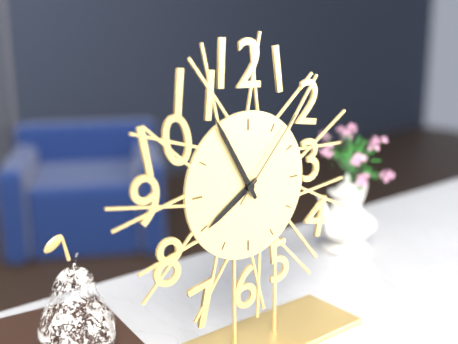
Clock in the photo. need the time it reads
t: 7:55:07
